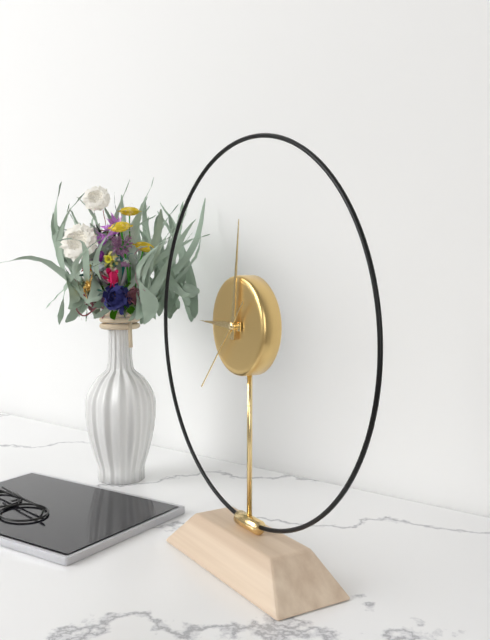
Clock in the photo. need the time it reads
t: 9:01:37
